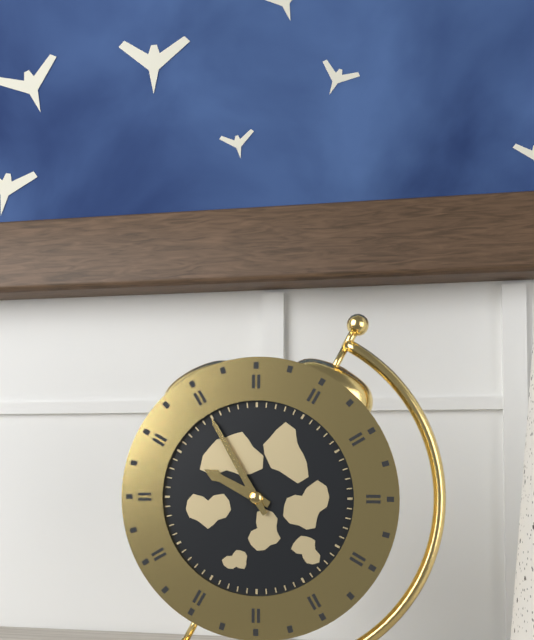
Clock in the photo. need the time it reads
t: 9:55
